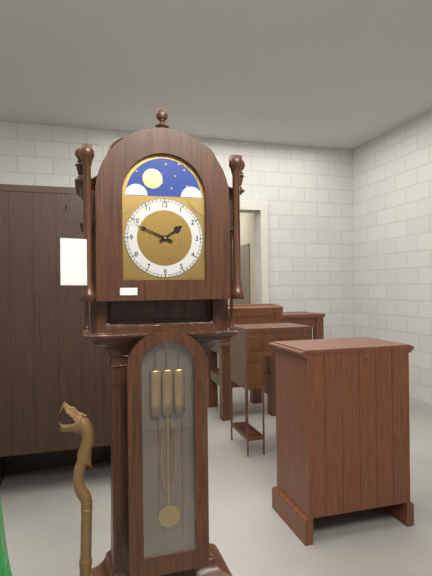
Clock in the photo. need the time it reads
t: 1:49
